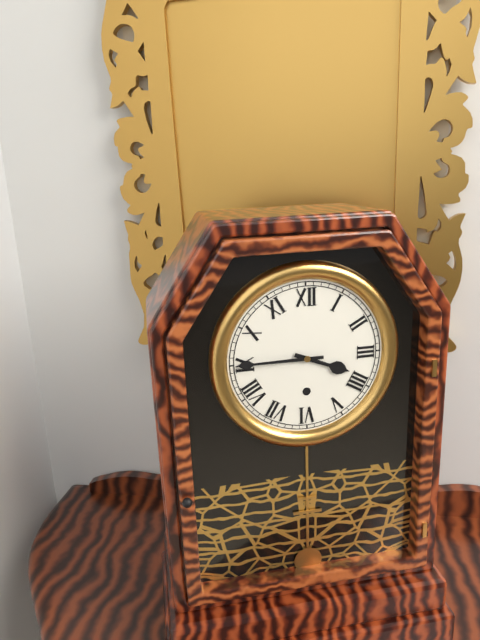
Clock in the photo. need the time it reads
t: 3:45
